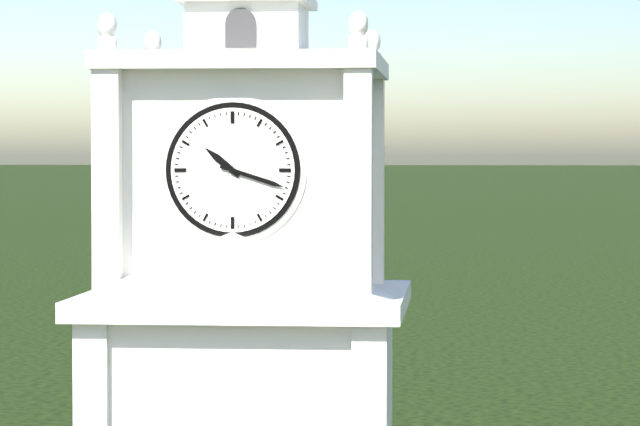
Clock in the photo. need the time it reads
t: 10:18
